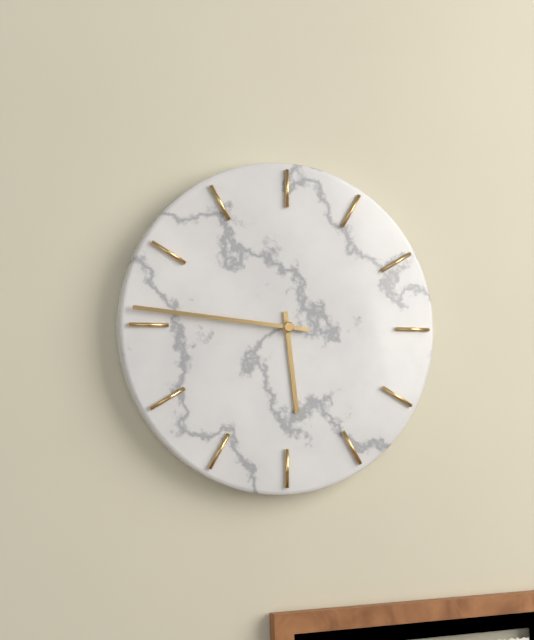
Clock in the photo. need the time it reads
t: 5:46
